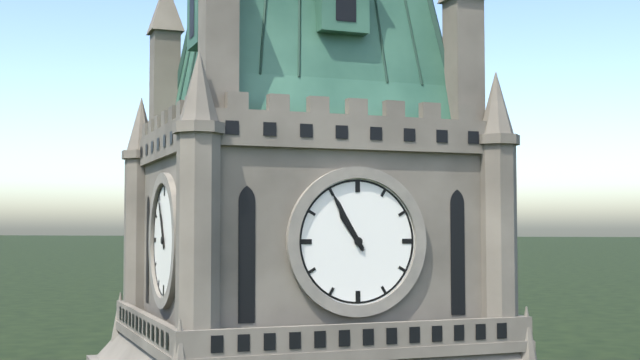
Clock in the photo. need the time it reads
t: 10:55
